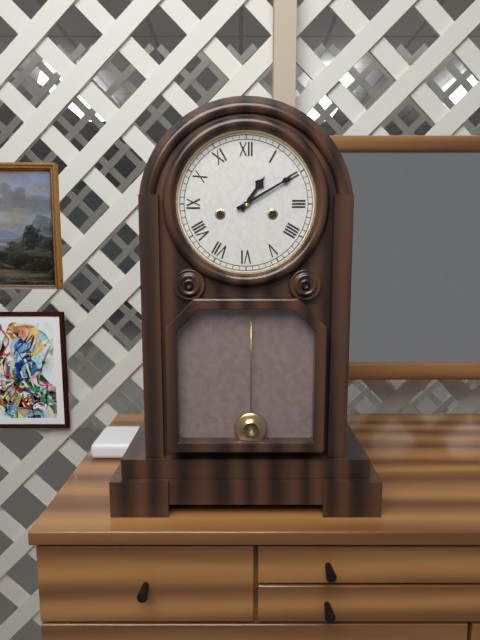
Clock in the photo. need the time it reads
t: 1:10
